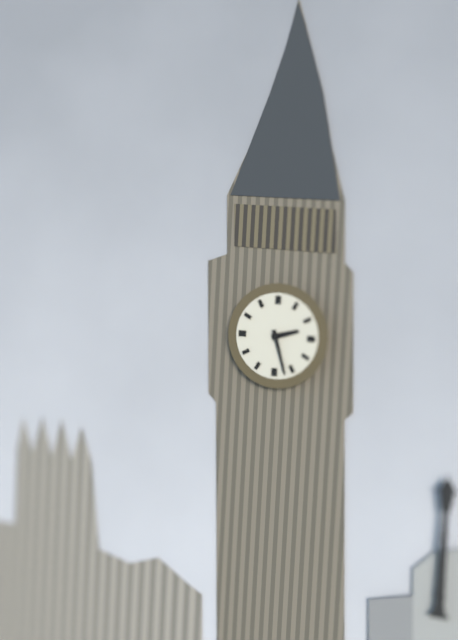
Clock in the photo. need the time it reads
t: 2:27
